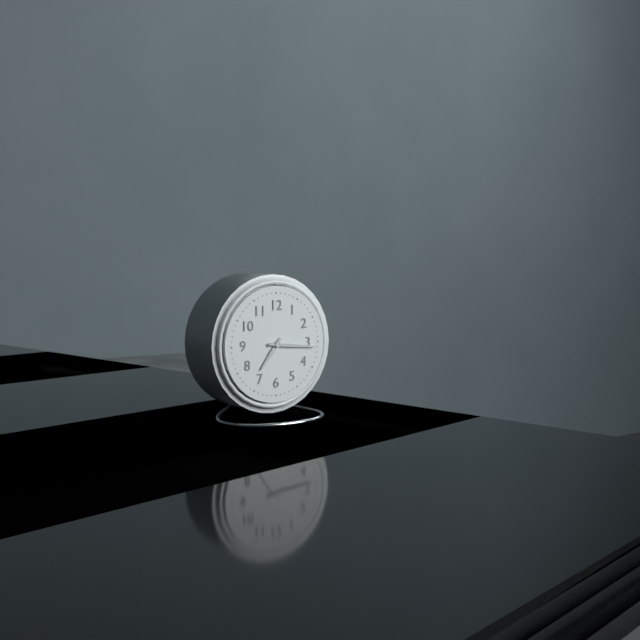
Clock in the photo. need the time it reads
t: 7:16
